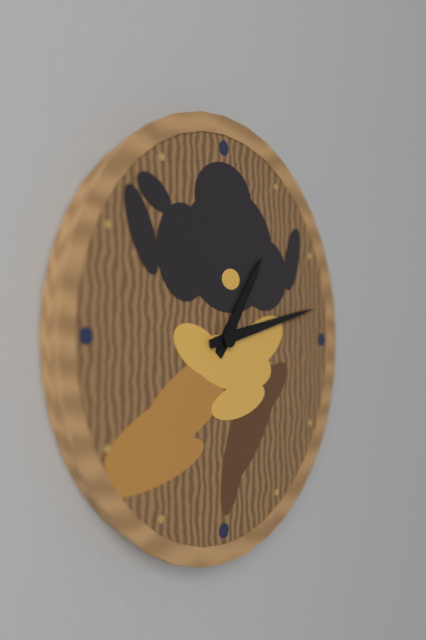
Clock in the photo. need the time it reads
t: 1:13
